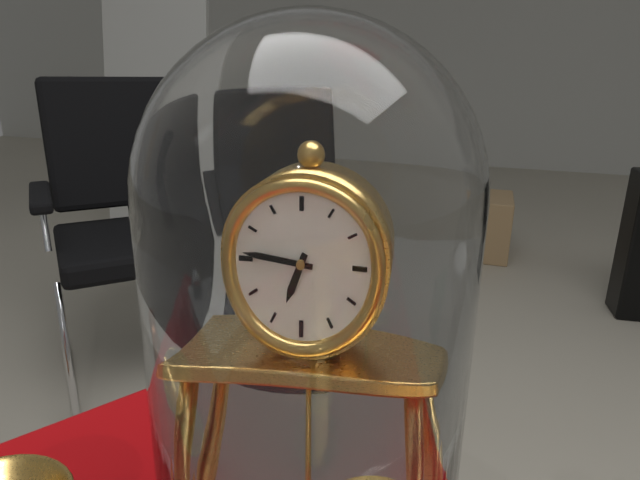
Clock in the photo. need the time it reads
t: 6:46
